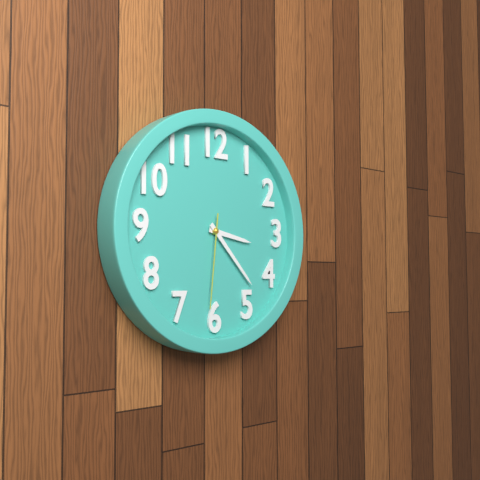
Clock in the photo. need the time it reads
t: 3:23:31
